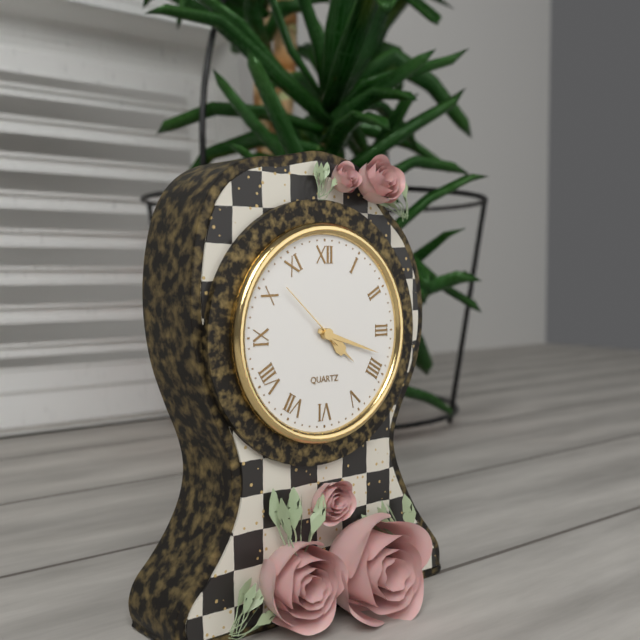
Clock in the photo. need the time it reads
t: 4:18:52
